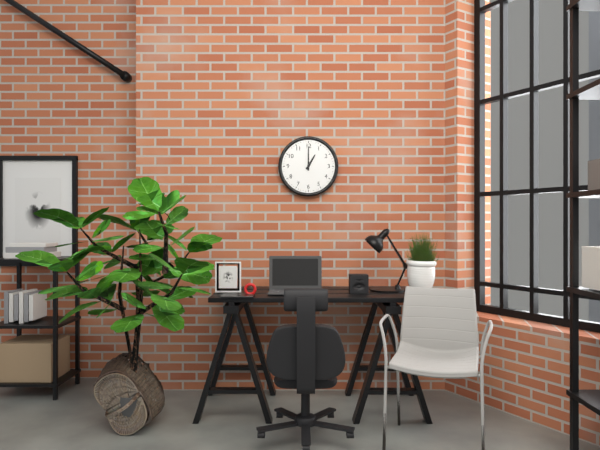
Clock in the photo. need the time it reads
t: 1:00
